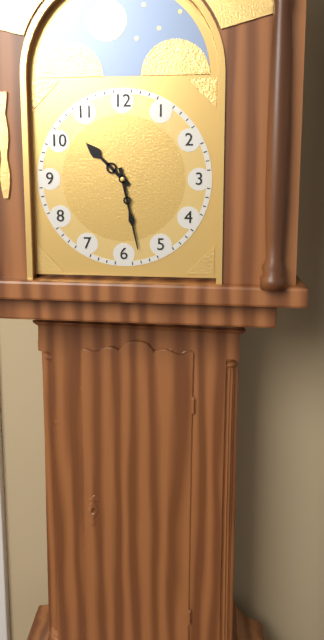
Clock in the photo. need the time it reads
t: 10:28
